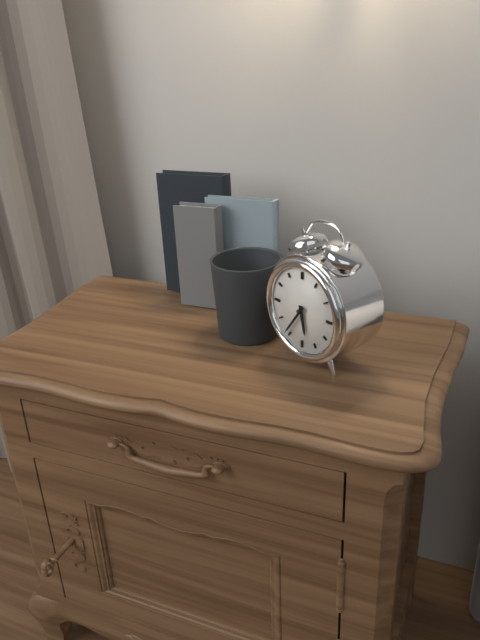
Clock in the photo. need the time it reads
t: 5:36
